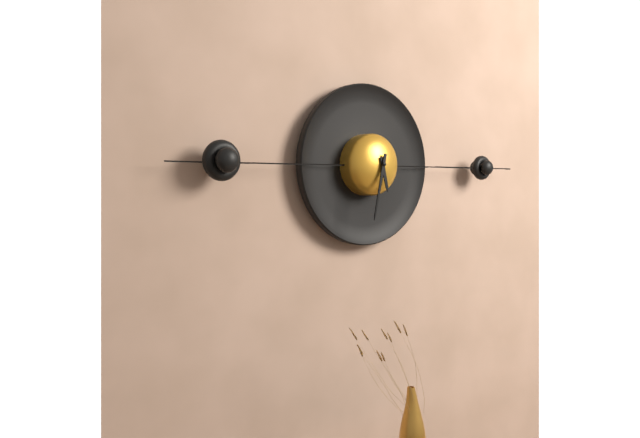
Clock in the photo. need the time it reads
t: 5:32
